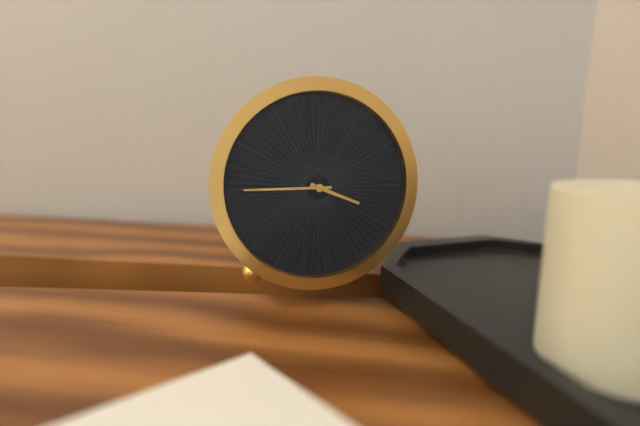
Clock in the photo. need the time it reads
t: 3:45
